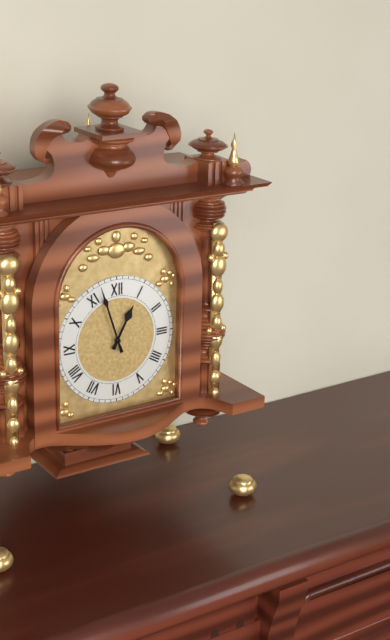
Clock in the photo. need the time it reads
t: 12:57
